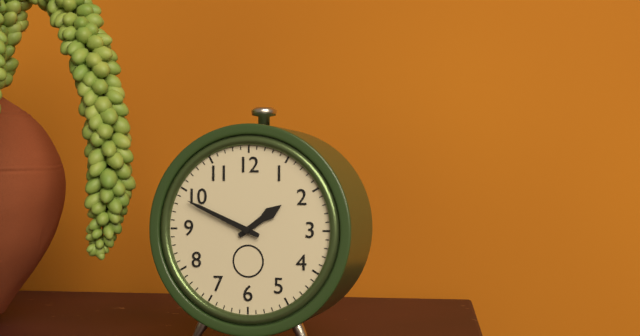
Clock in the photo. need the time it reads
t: 1:49
